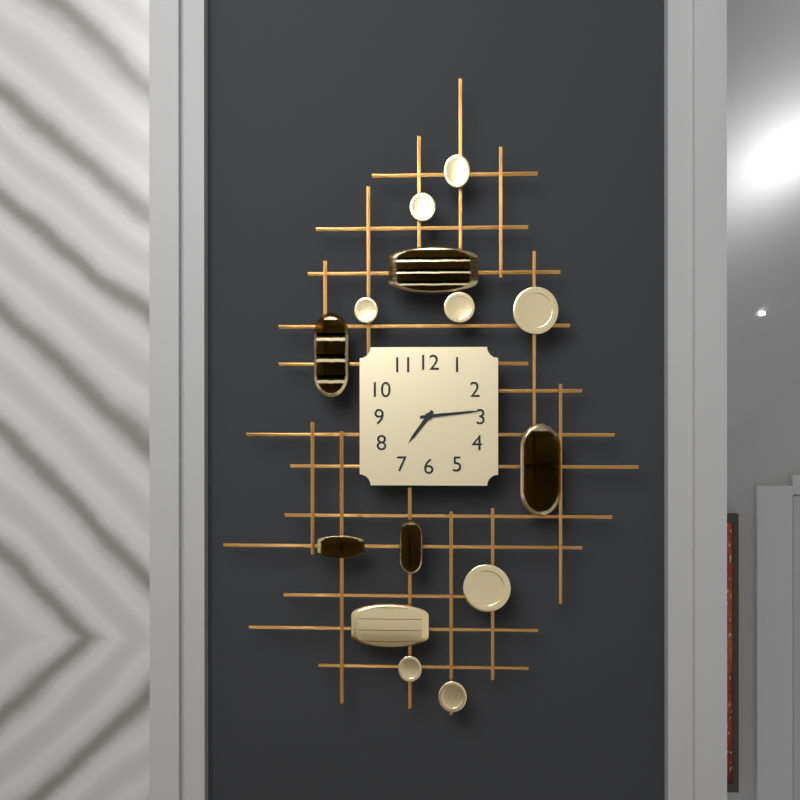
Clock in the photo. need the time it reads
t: 7:14
